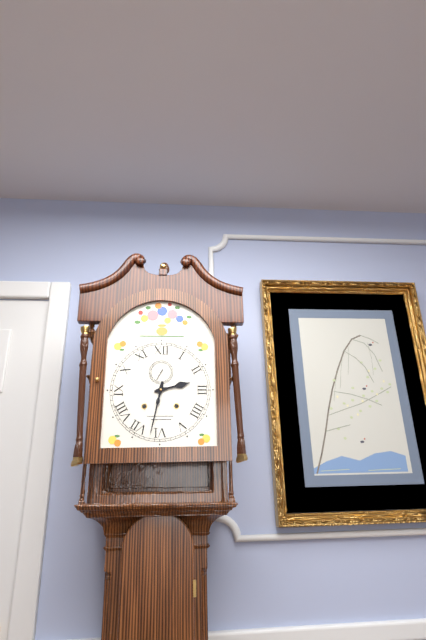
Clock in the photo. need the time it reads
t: 2:32
